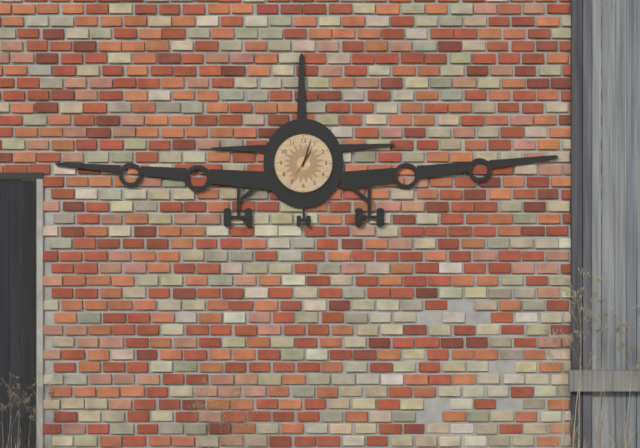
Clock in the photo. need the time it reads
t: 1:03
